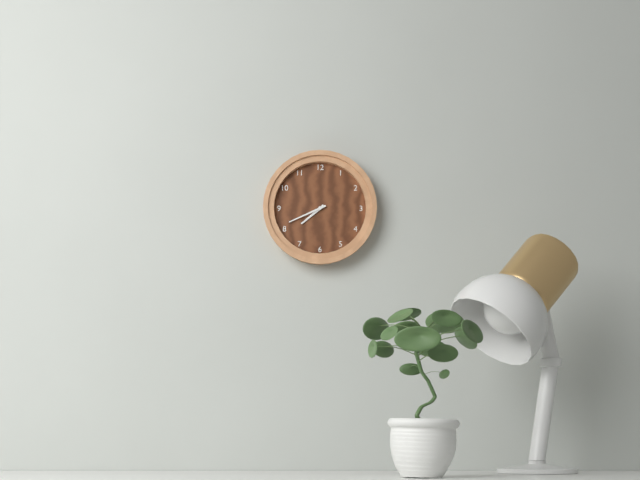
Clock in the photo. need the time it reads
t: 7:41
